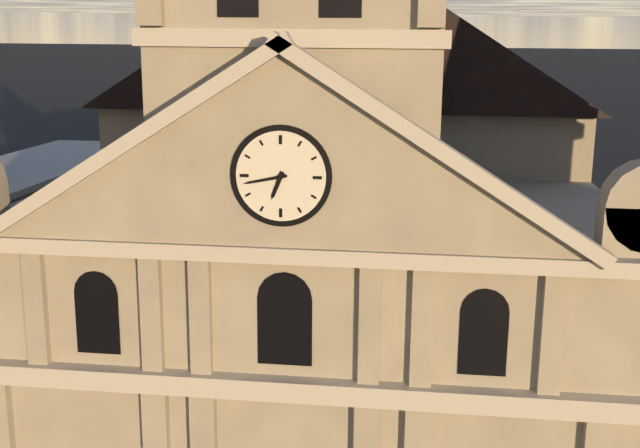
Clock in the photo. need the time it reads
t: 6:43
